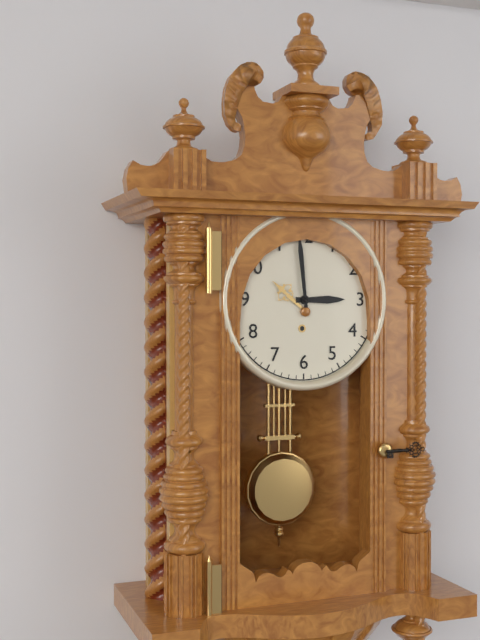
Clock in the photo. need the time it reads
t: 2:59
